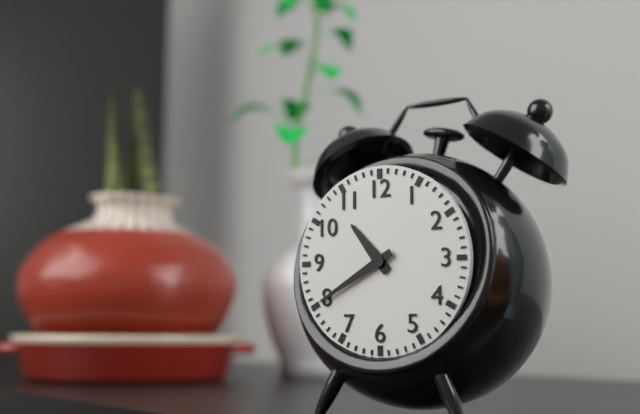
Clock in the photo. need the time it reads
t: 10:40
